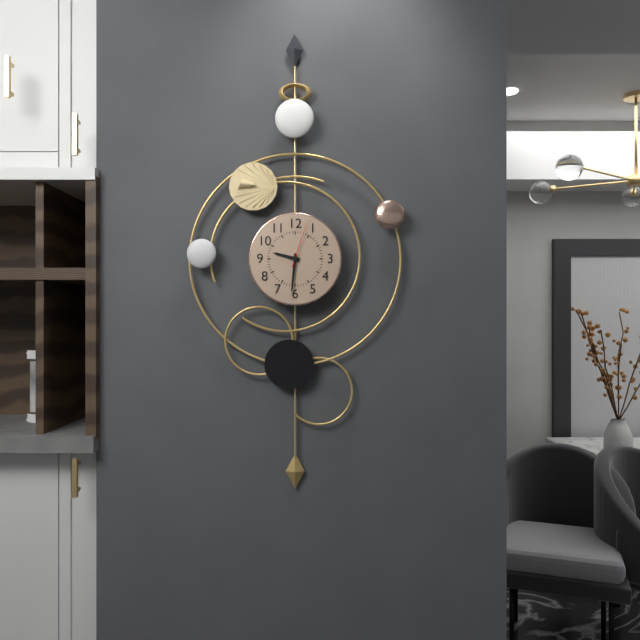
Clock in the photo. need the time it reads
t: 9:31
